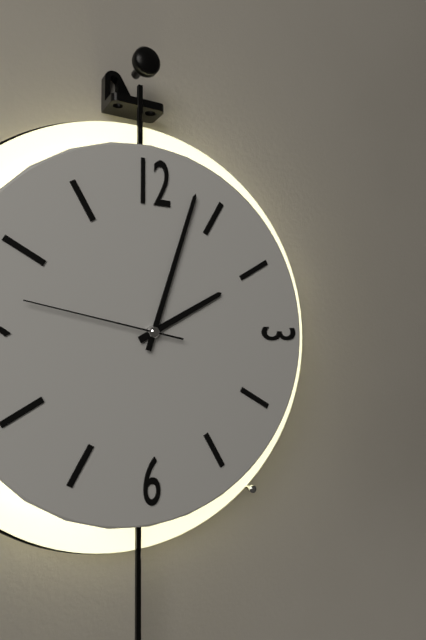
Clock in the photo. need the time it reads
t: 2:03:47
